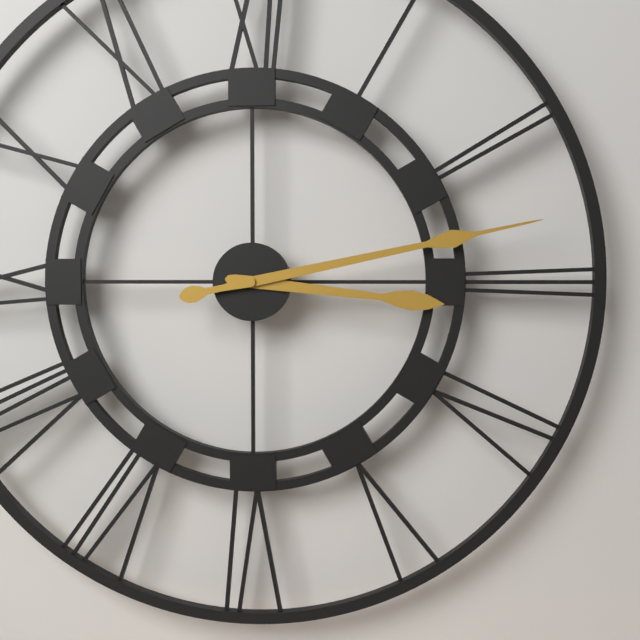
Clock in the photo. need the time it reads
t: 3:13
